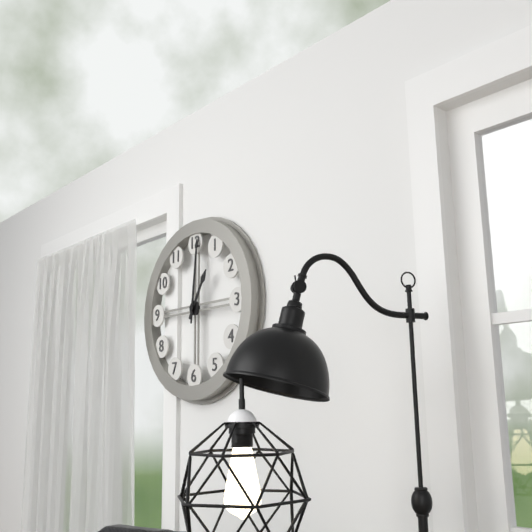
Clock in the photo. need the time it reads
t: 1:01
